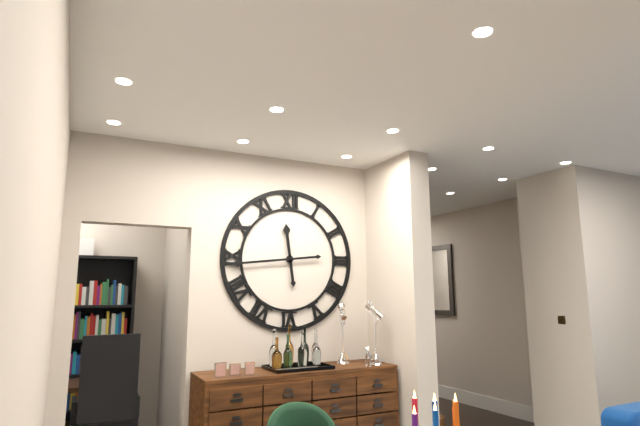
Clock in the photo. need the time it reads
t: 11:44
